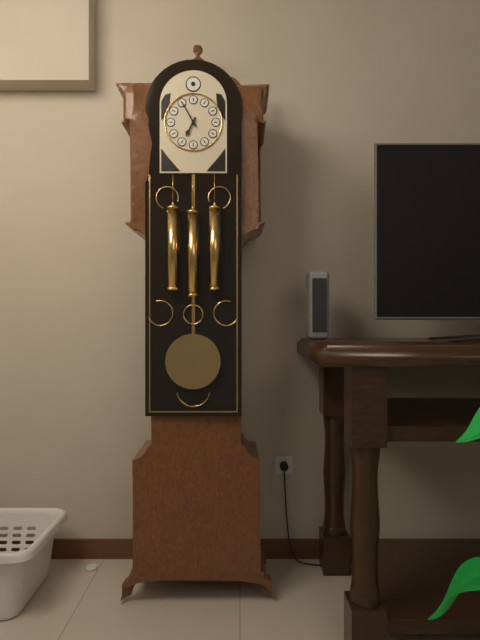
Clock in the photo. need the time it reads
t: 6:55
